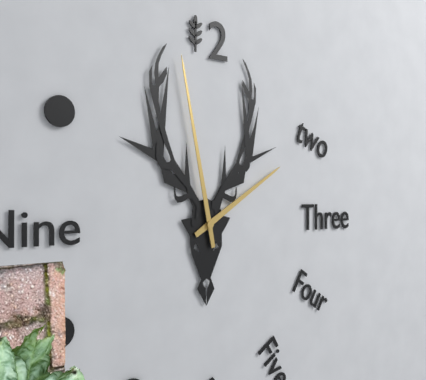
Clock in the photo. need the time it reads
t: 1:58
